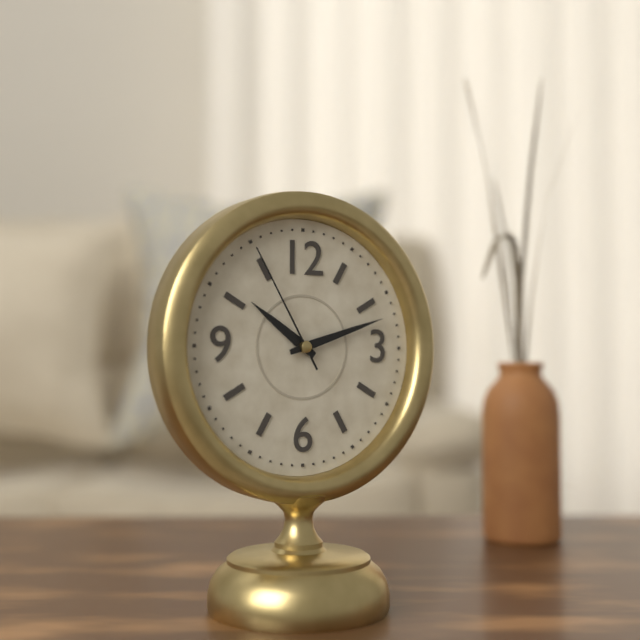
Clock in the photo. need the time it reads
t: 10:12:55
